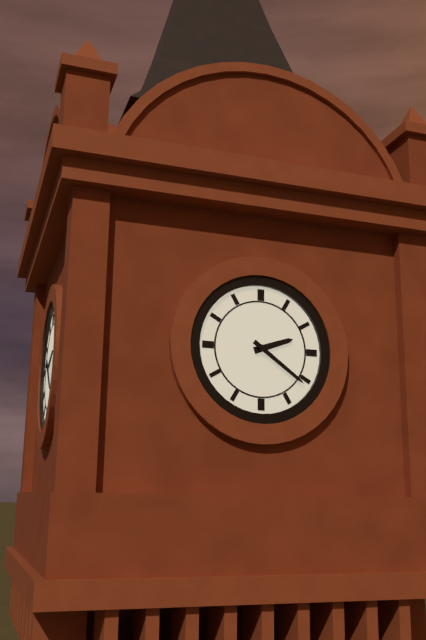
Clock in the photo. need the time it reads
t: 2:21
